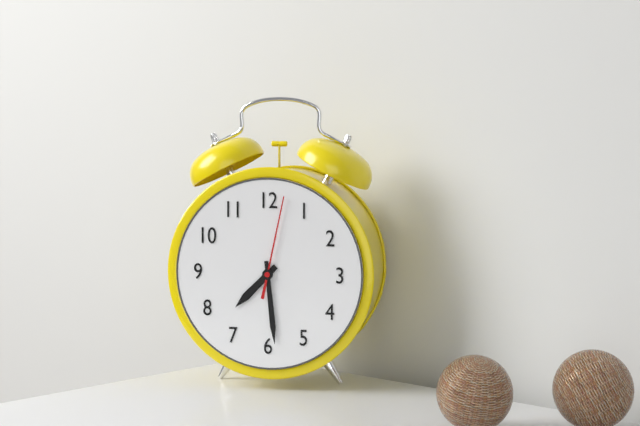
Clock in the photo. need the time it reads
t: 7:29:02
